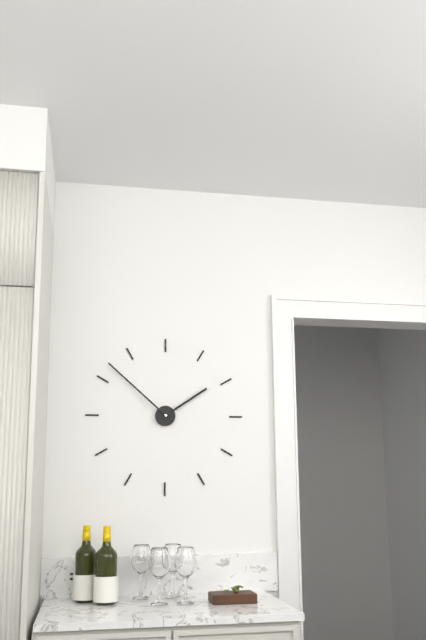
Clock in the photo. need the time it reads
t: 1:52
